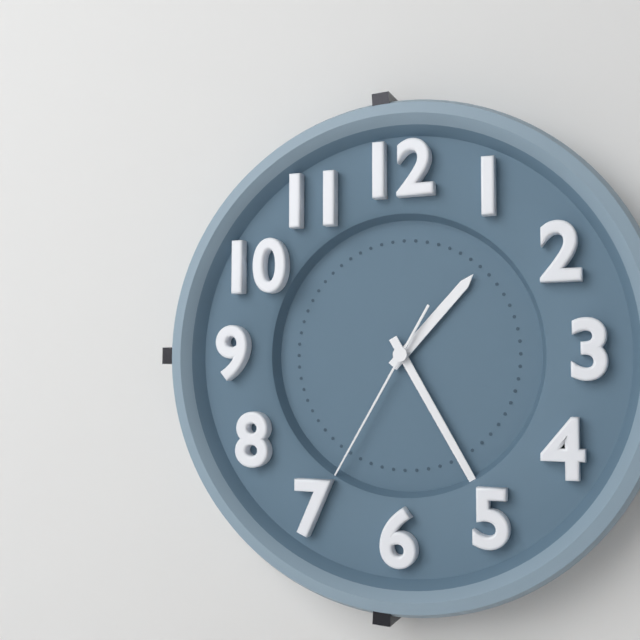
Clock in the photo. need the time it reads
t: 1:25:35
